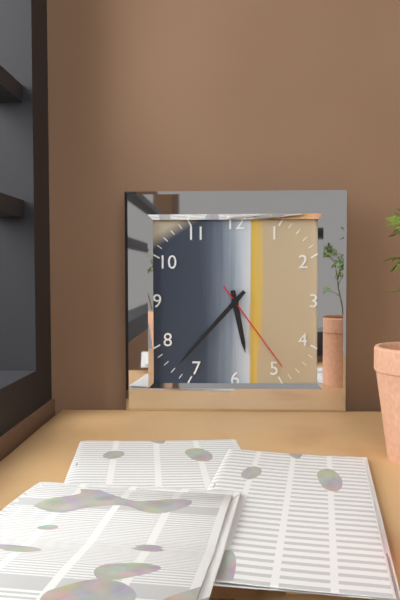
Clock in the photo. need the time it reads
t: 5:37:24
